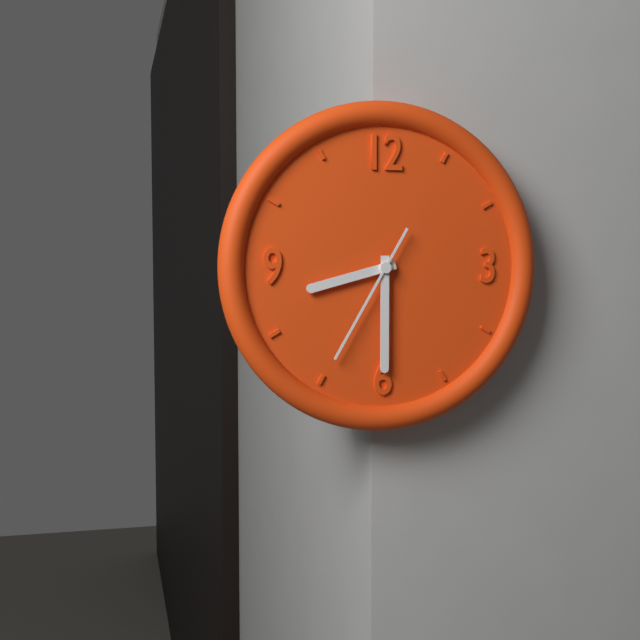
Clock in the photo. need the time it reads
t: 8:30:35
